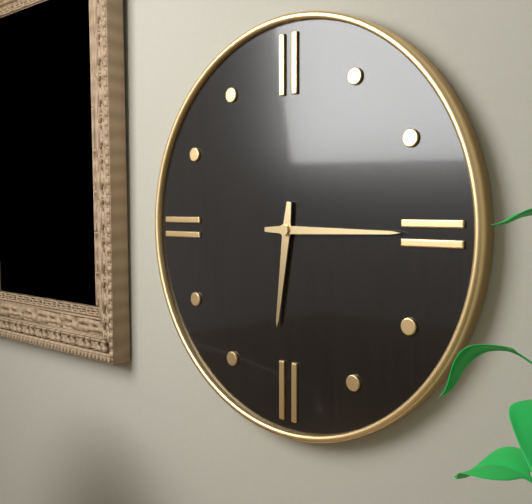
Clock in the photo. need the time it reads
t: 6:15
